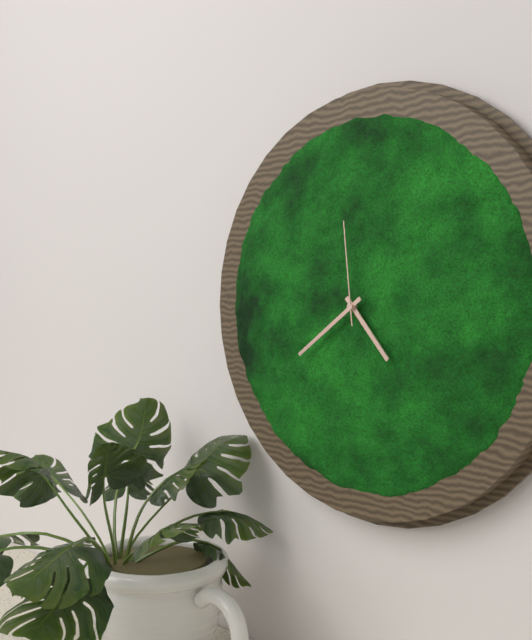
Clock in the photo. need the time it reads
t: 4:39:59
